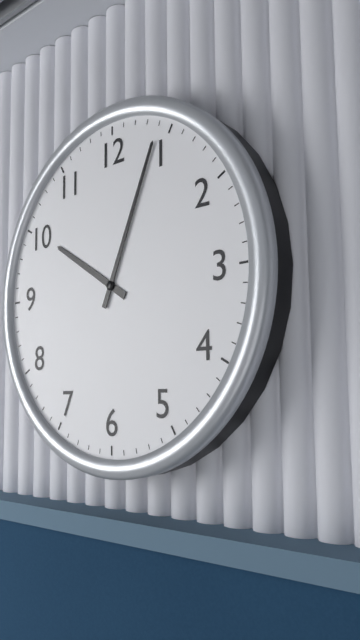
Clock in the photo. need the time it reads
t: 10:04
